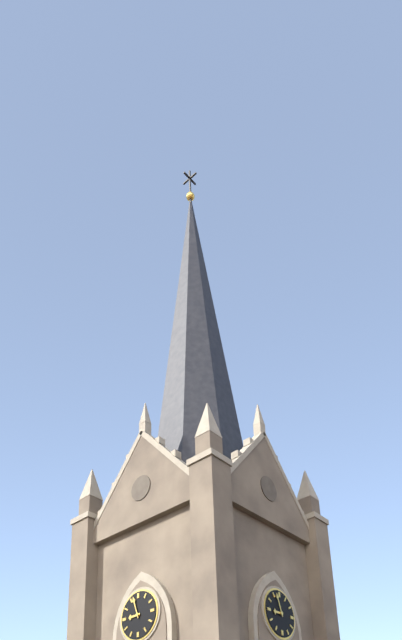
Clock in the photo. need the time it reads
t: 8:57
